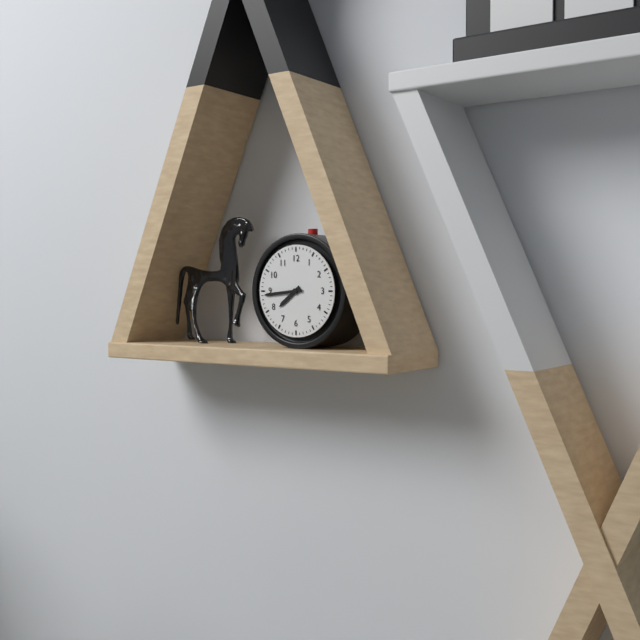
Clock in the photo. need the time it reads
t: 7:44
